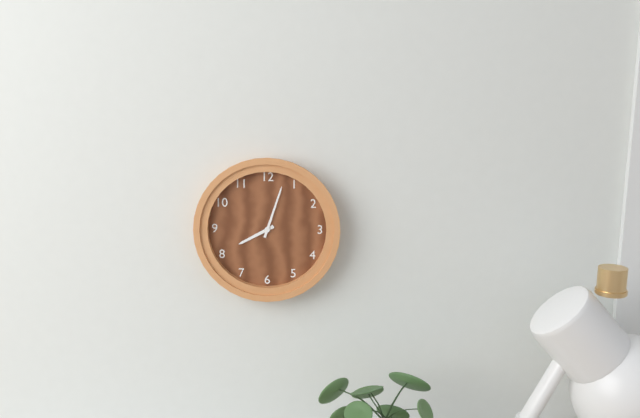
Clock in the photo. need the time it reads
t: 8:03
